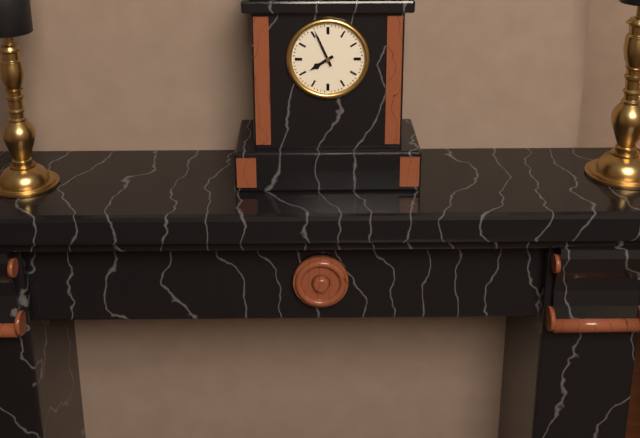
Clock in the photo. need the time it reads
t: 7:56
